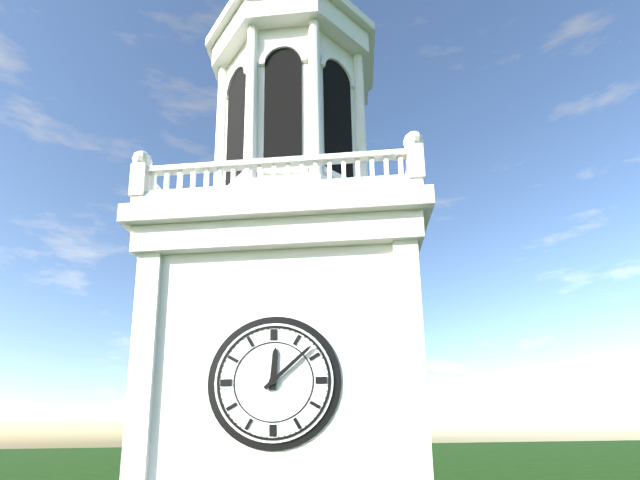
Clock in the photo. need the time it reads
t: 12:08
